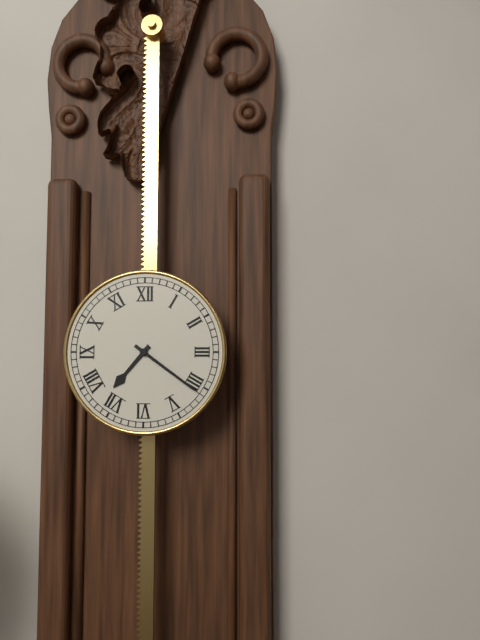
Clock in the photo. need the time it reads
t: 7:21
